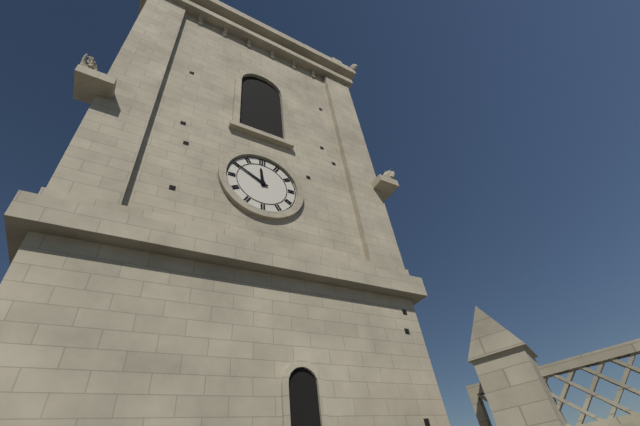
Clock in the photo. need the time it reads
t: 11:50
